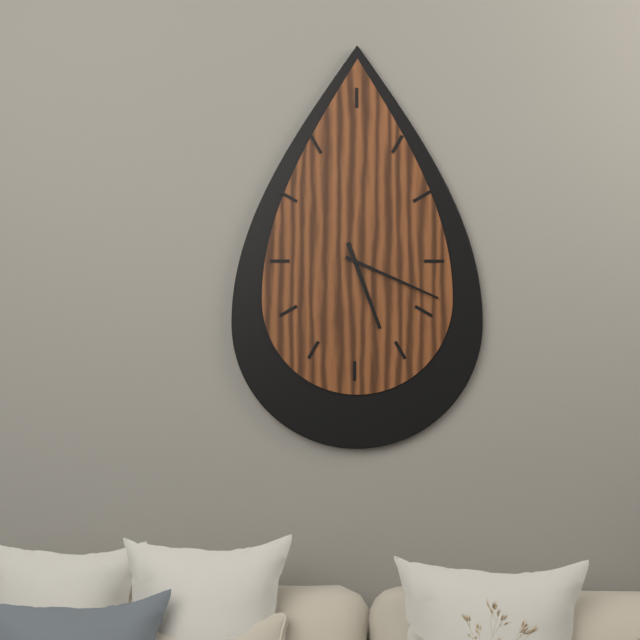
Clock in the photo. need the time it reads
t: 5:19
